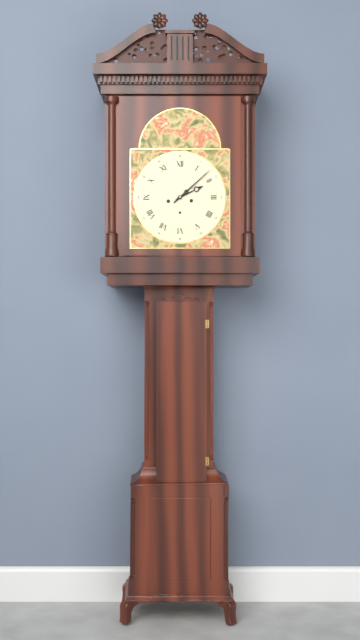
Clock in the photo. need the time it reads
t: 2:08
